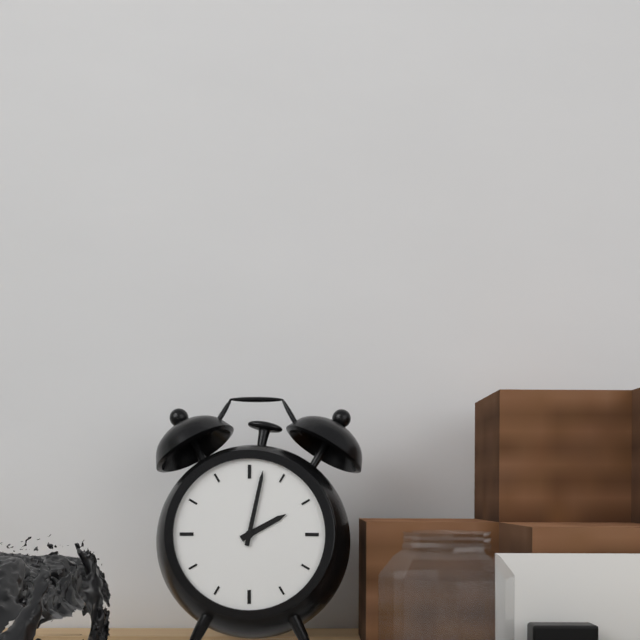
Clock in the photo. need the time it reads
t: 2:02
